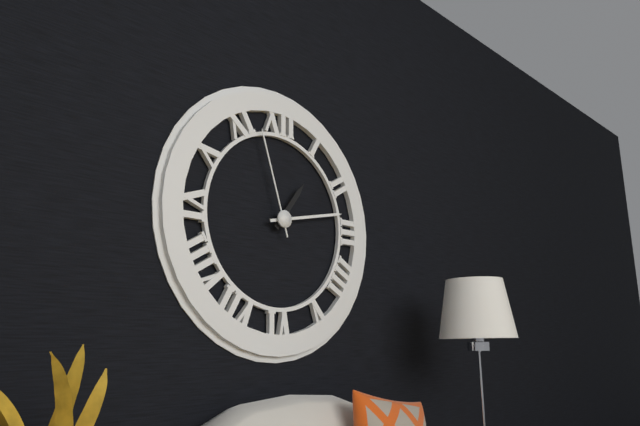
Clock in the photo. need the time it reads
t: 1:13:57
